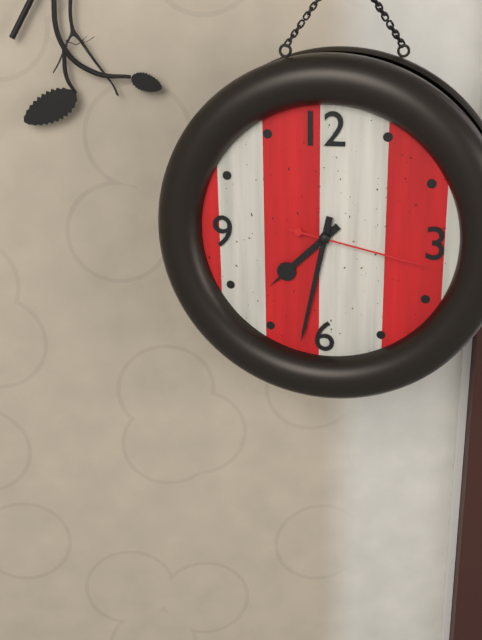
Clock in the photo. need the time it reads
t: 7:32:17
